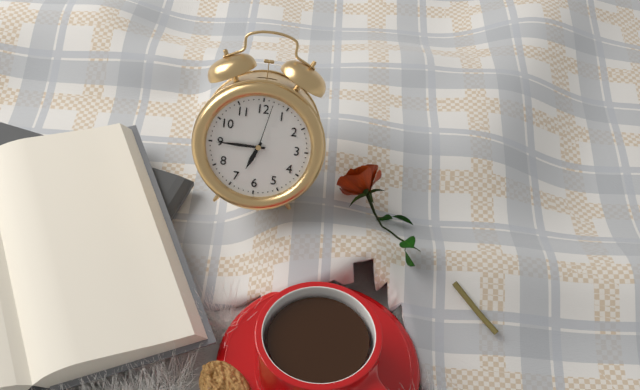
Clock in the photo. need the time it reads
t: 6:45:02
